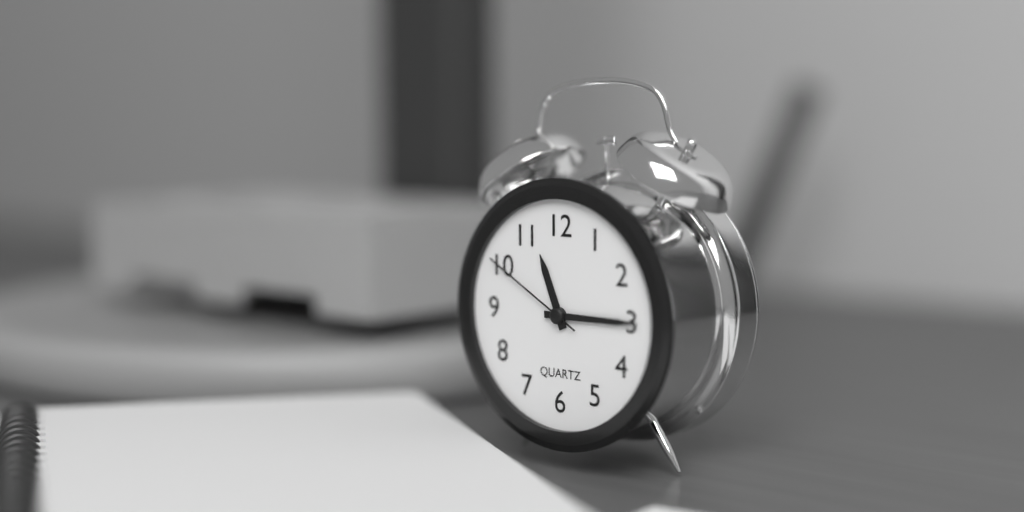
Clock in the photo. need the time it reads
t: 11:15:50
